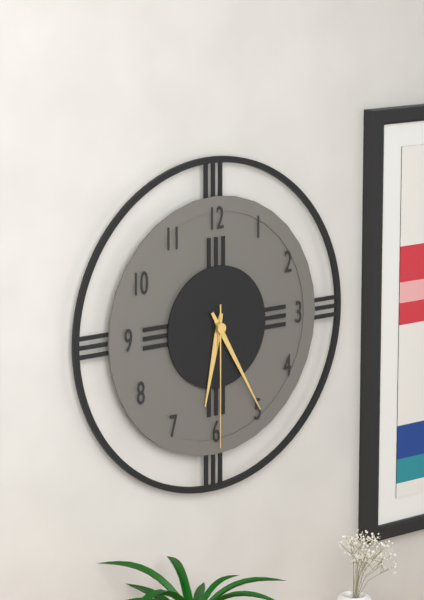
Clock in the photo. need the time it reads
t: 6:25:30
